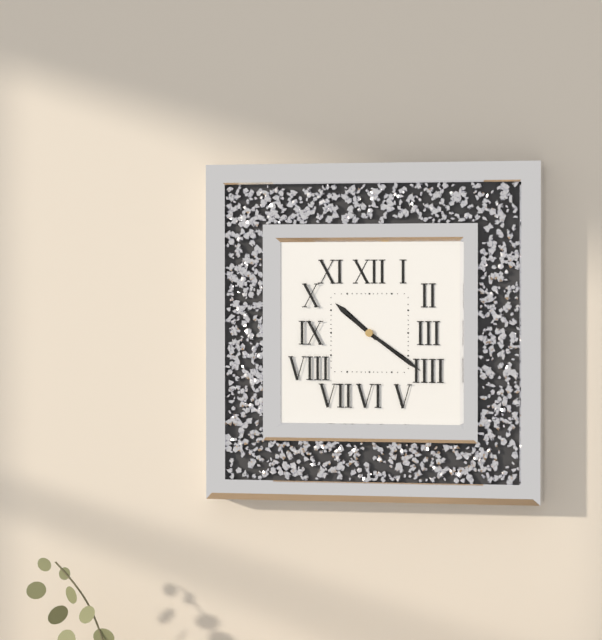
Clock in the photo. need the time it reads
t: 10:21
